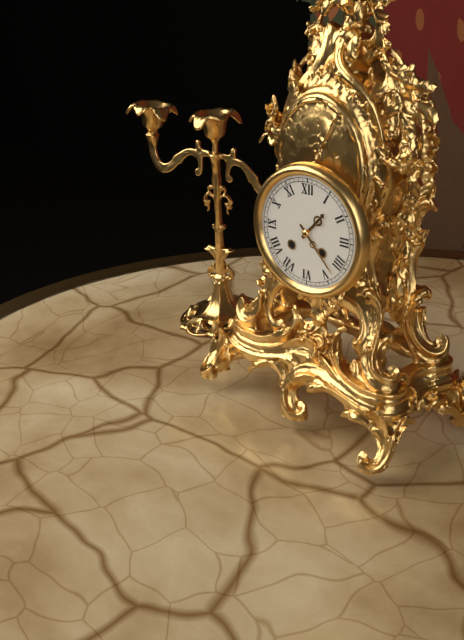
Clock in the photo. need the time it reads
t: 1:23
